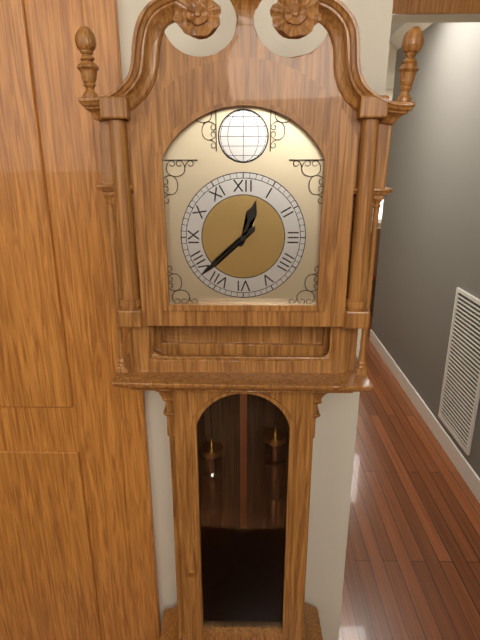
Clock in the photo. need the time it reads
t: 12:38
